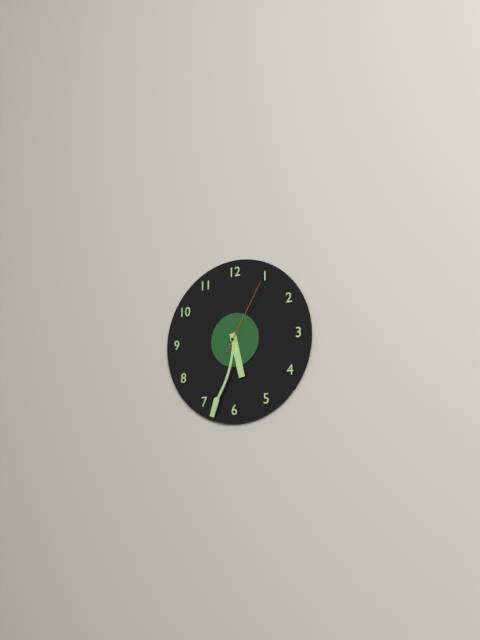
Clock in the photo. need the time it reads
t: 5:33:05
